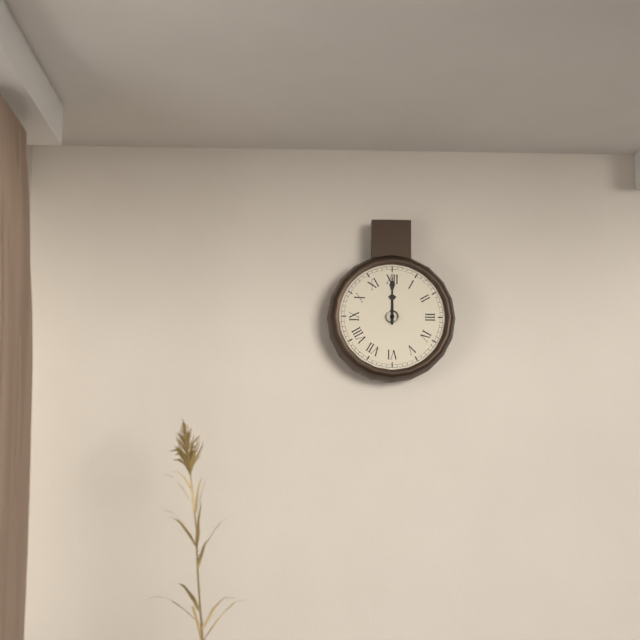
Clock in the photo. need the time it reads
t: 12:00
